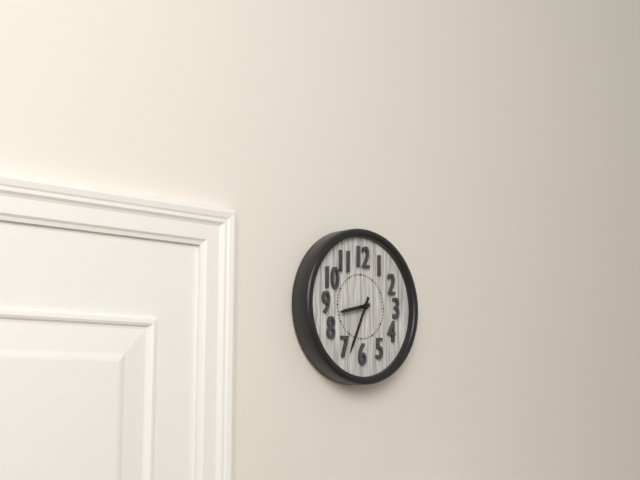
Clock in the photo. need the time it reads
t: 8:34
